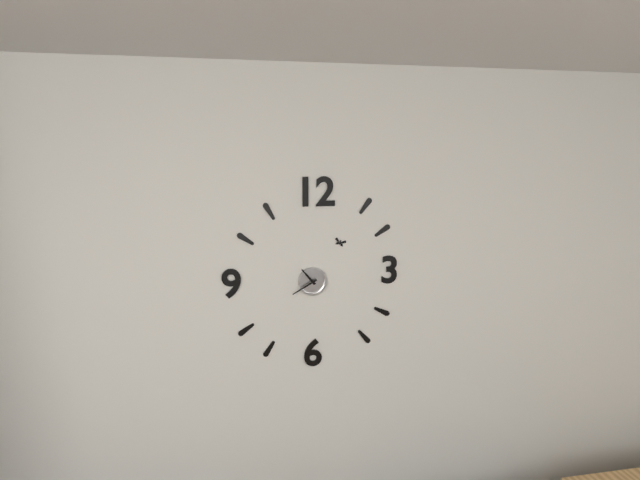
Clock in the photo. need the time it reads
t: 10:40
